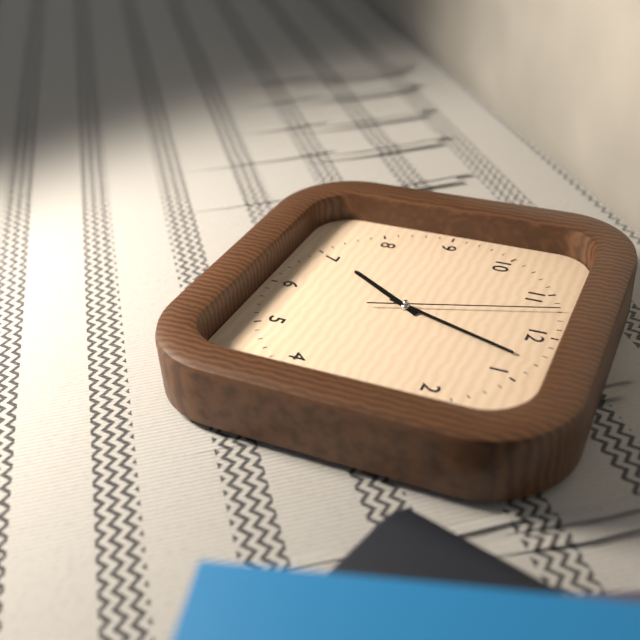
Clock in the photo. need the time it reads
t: 7:03:57
